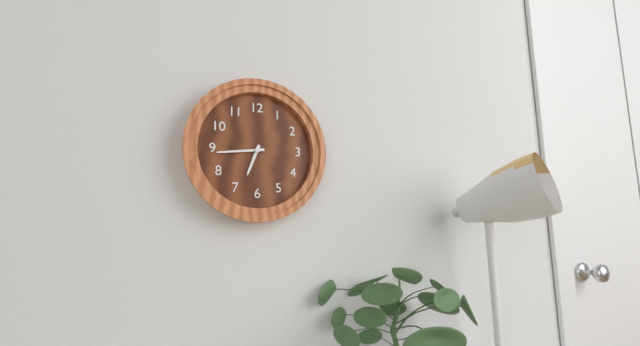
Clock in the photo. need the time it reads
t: 6:44
